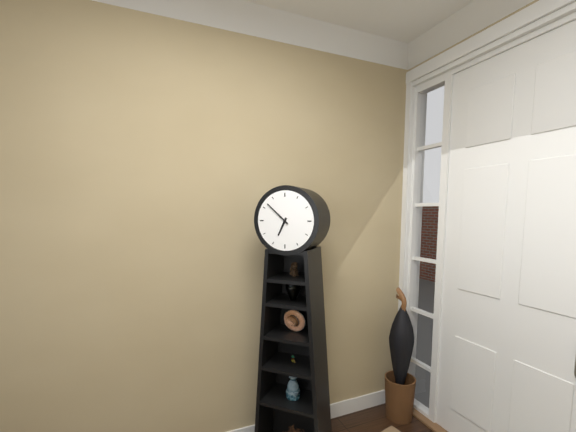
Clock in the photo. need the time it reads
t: 6:52
